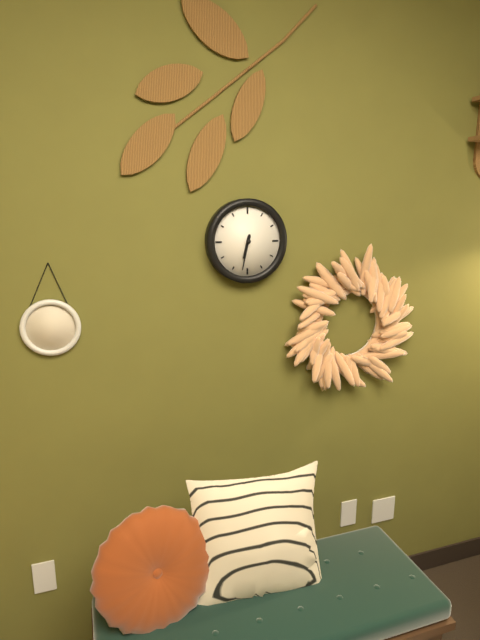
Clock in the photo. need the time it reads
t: 6:32
